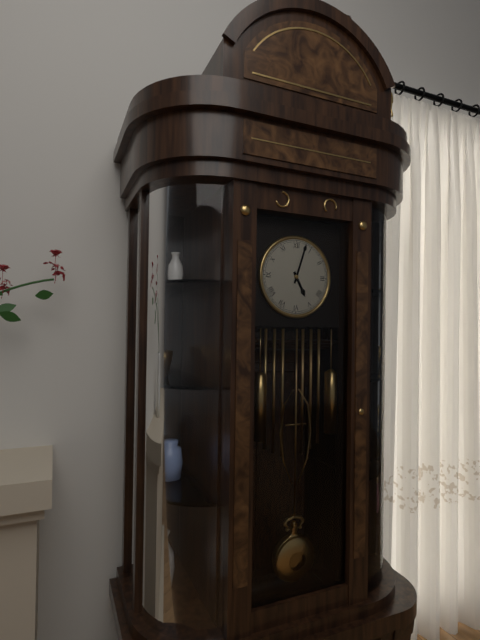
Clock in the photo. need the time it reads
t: 5:03
